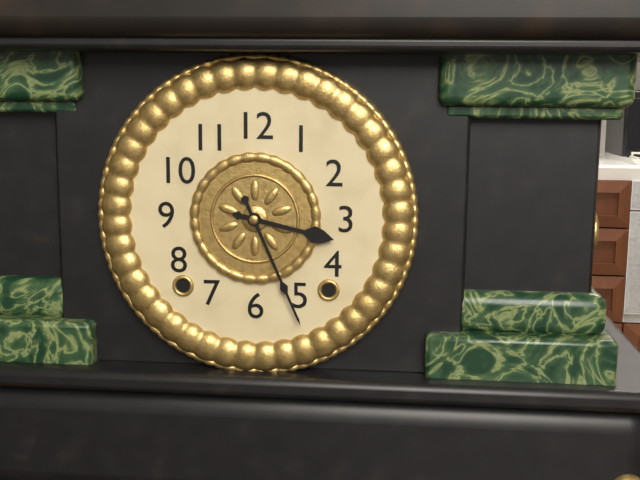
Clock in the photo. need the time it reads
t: 3:26
